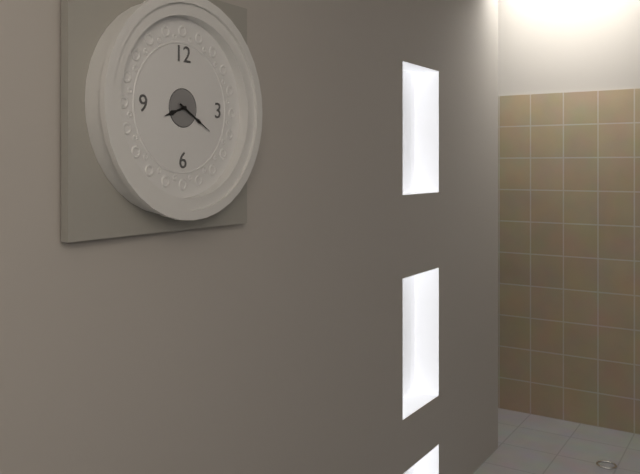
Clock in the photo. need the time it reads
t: 8:20
